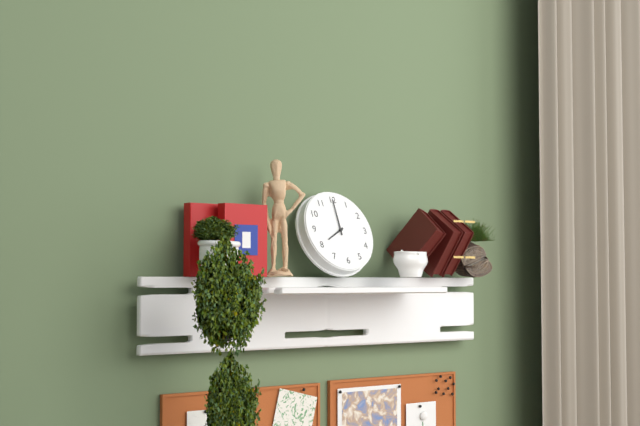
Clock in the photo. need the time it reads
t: 8:00
